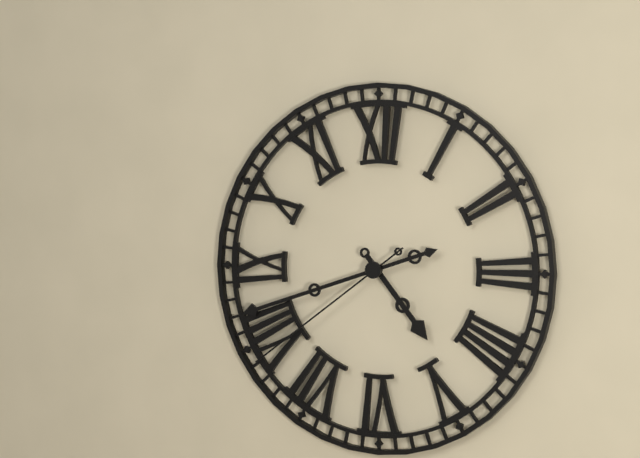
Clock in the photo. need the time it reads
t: 4:42:39
